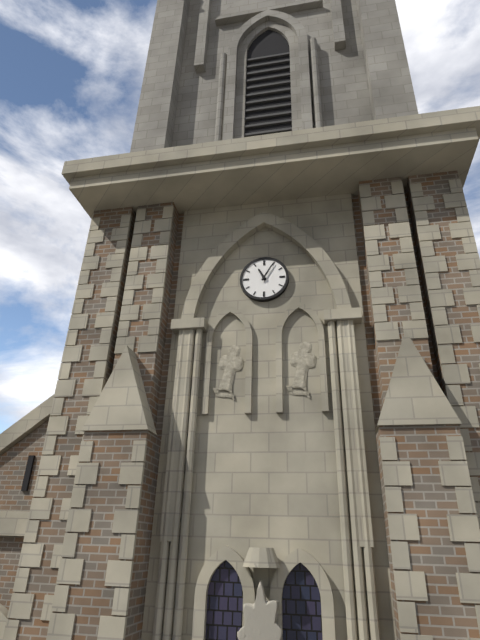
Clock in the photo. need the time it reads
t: 11:05
